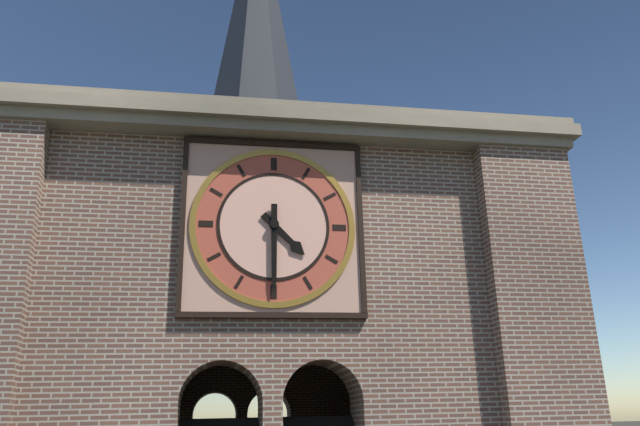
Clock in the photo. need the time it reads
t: 4:30
